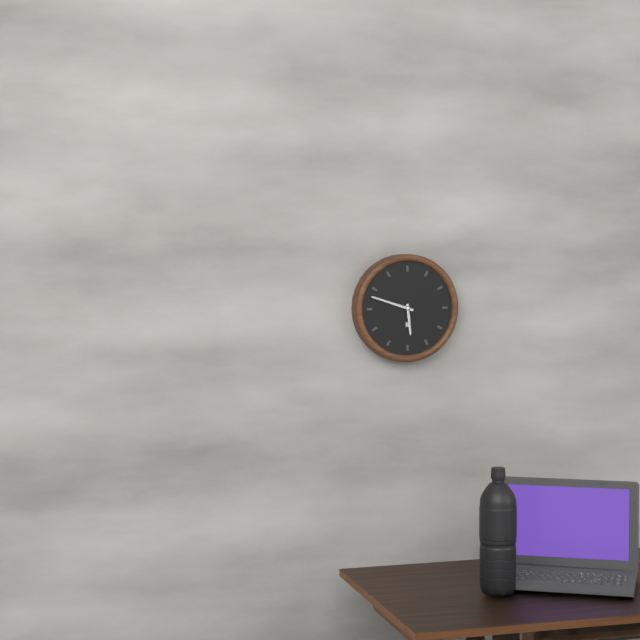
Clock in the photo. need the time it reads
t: 5:48
